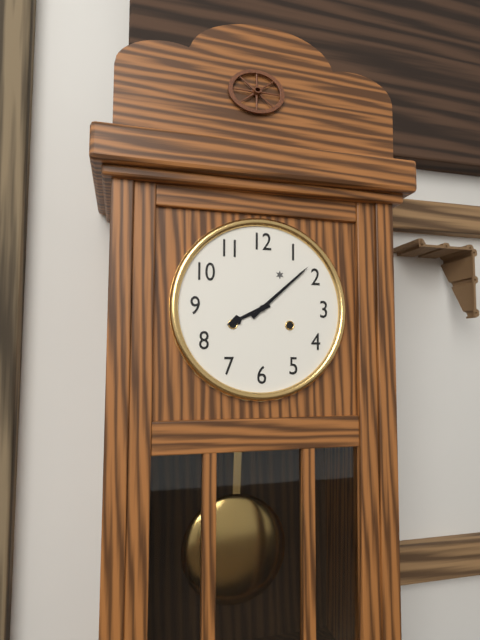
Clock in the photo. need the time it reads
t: 8:08
